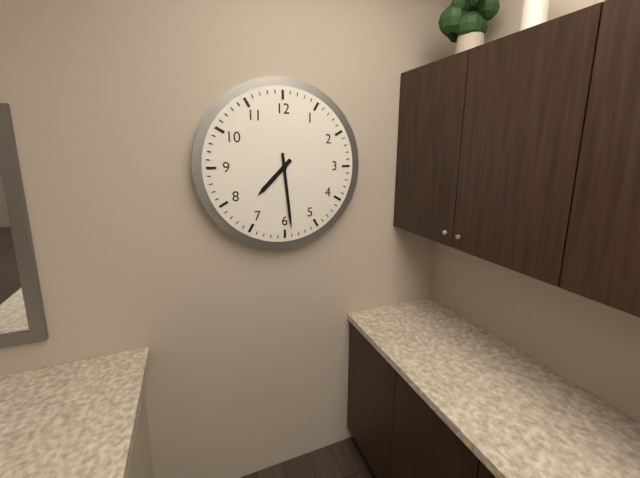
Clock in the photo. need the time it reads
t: 7:29
